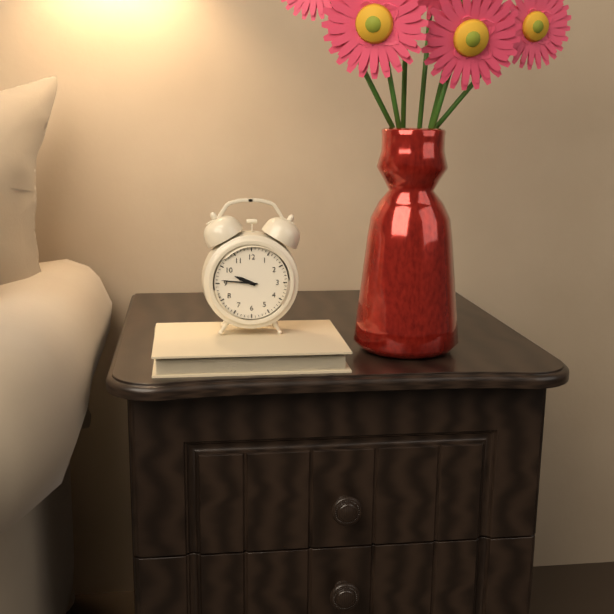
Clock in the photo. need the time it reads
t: 9:46
